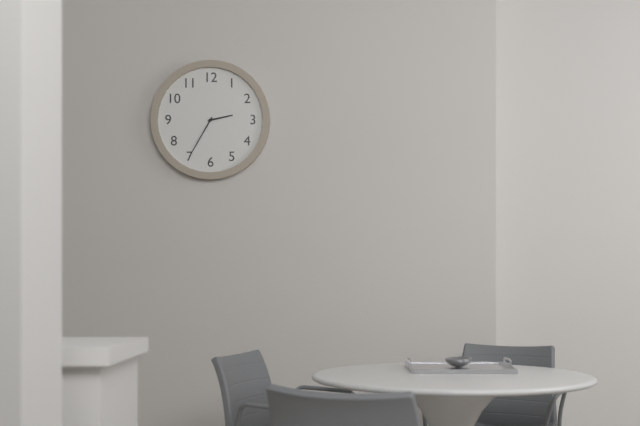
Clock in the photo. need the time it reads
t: 2:35
